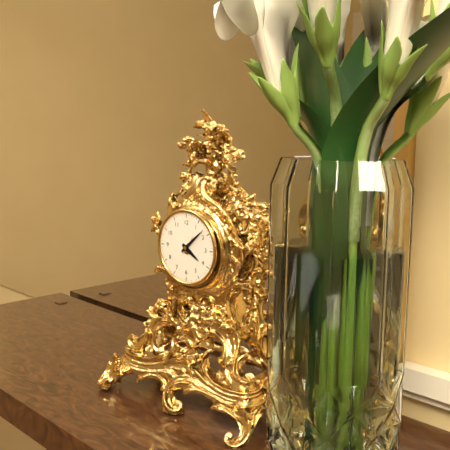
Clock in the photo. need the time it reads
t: 4:08
